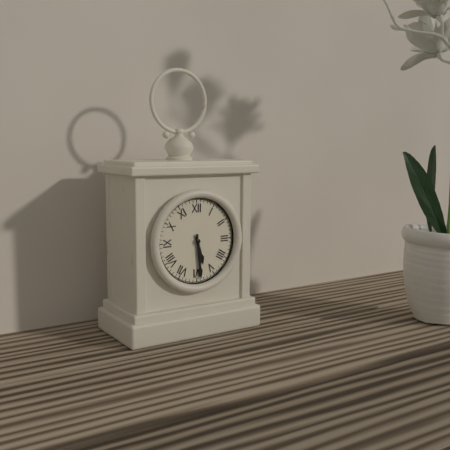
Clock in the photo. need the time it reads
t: 5:29
